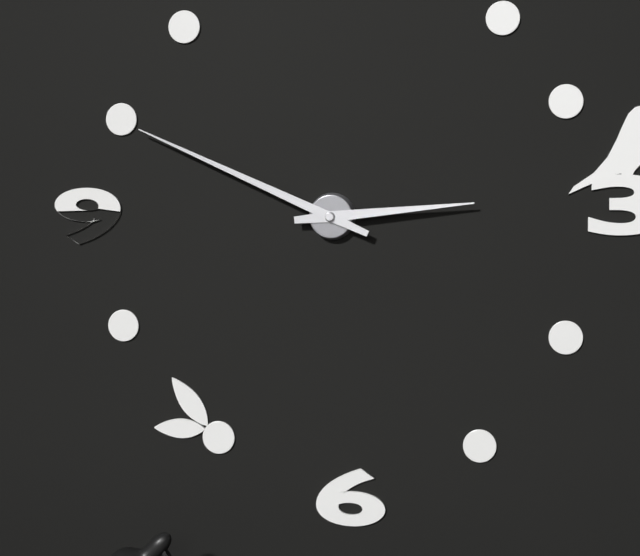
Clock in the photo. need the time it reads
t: 2:49
